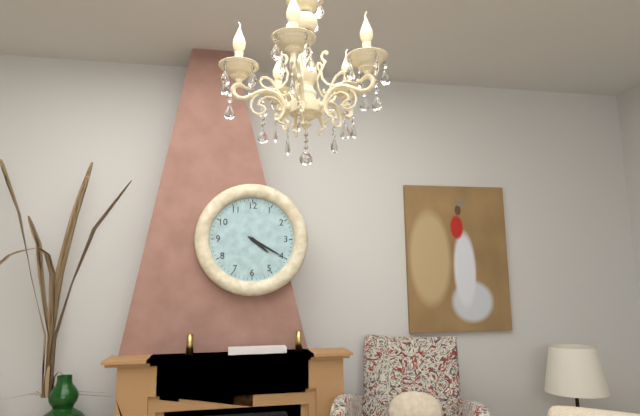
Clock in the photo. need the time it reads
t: 4:20
